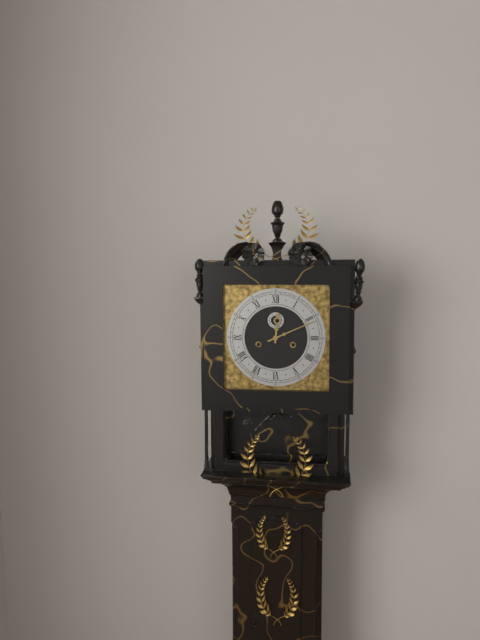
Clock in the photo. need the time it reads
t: 12:11
